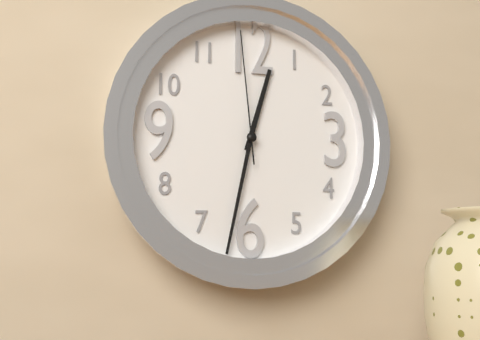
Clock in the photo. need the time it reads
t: 12:32:59
